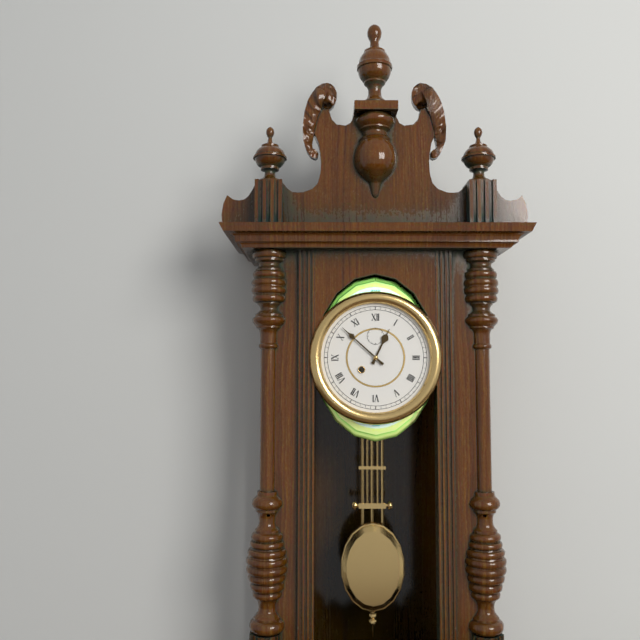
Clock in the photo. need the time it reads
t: 12:52
